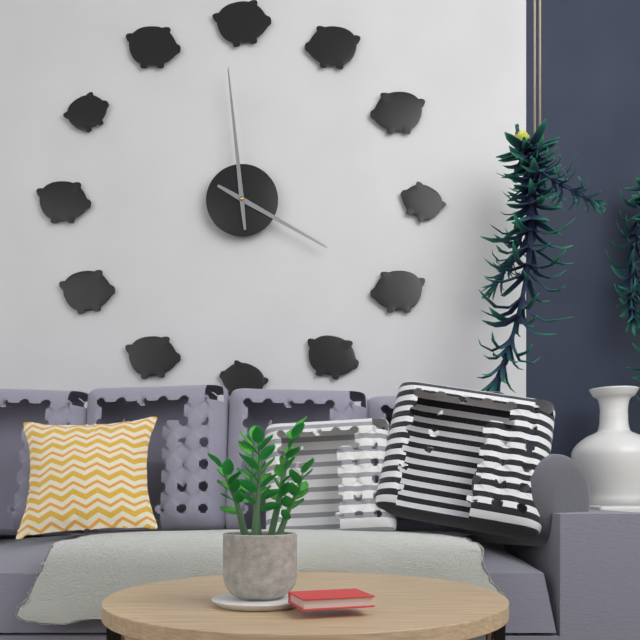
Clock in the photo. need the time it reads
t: 3:59
